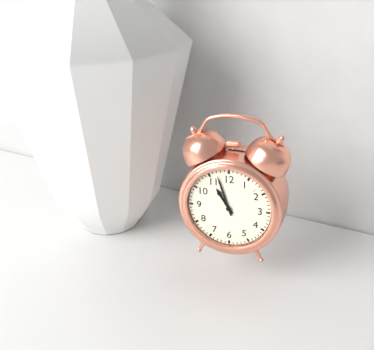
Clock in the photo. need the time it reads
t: 10:57
